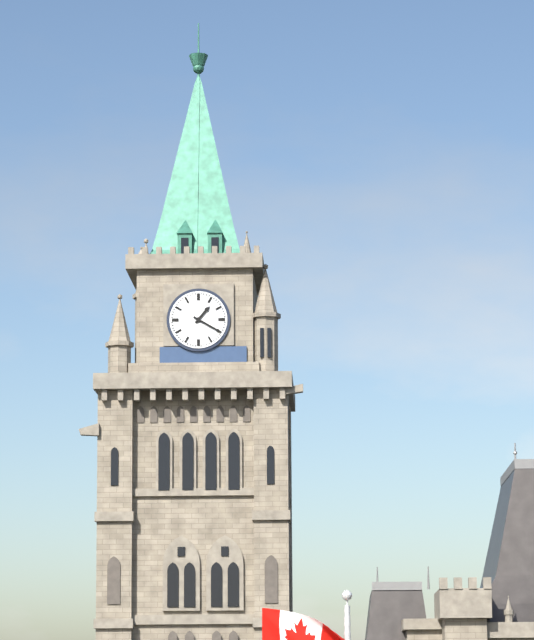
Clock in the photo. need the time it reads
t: 1:20
